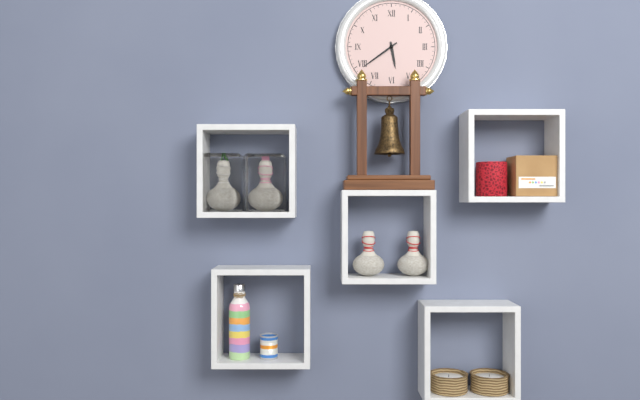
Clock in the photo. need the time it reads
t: 5:39
